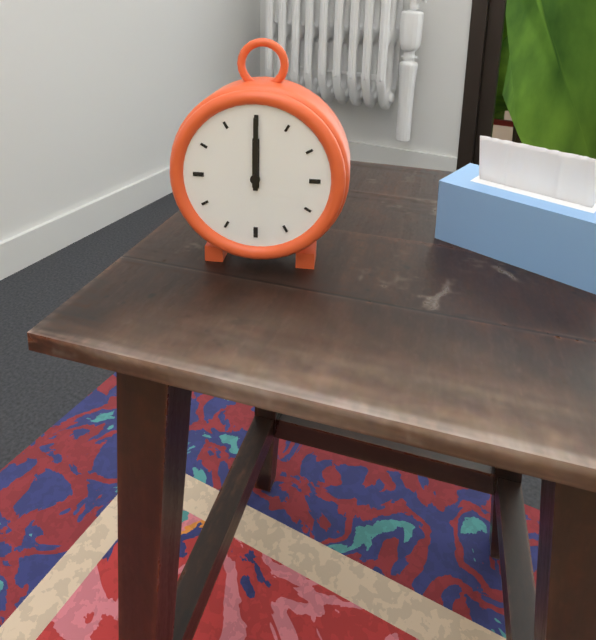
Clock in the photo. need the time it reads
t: 12:00
